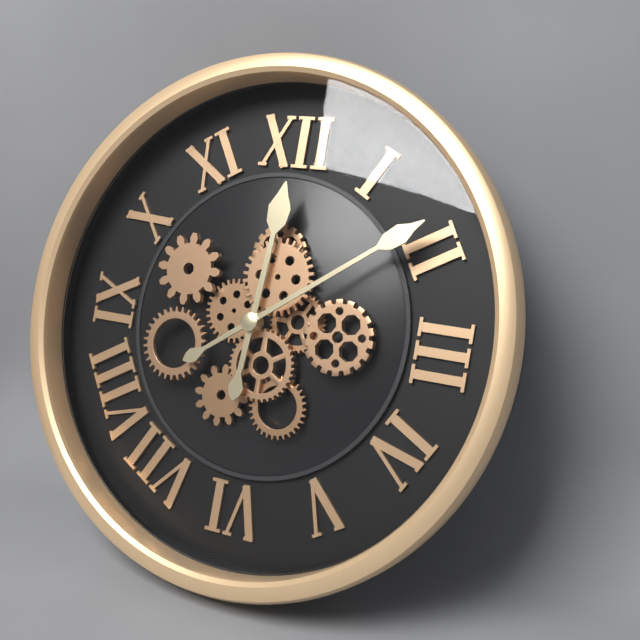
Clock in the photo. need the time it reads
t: 12:09
